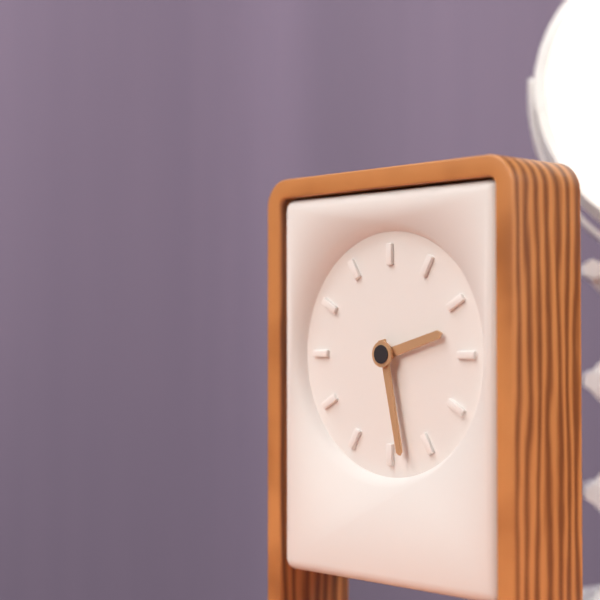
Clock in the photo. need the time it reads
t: 2:28
